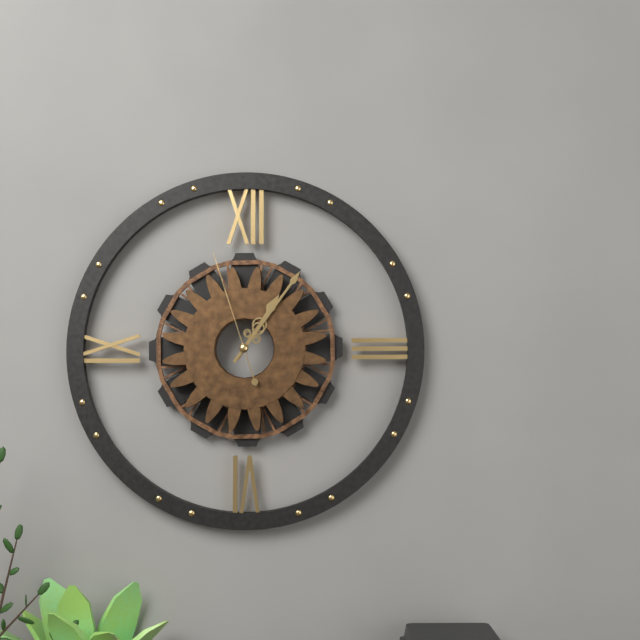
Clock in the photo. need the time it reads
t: 1:06:57
